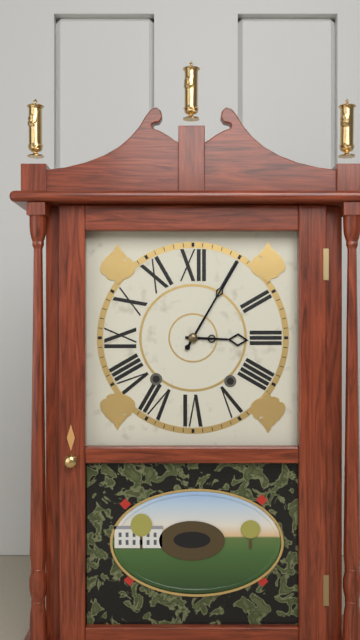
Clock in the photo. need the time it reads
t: 3:05
